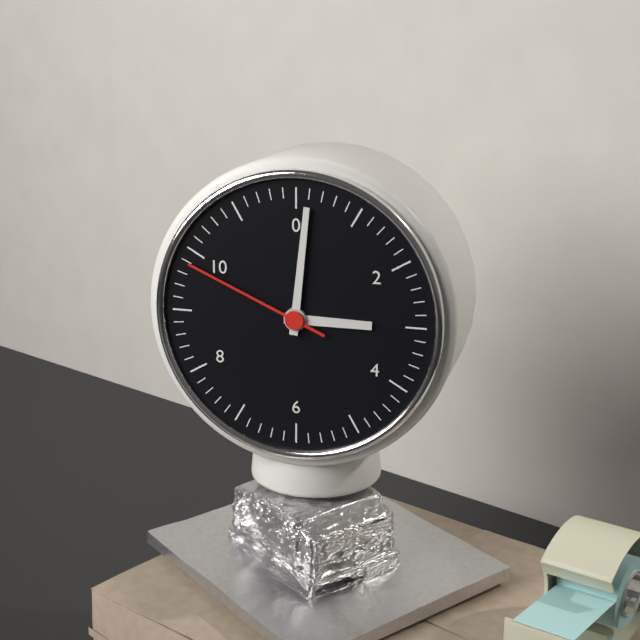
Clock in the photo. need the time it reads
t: 3:01:49
